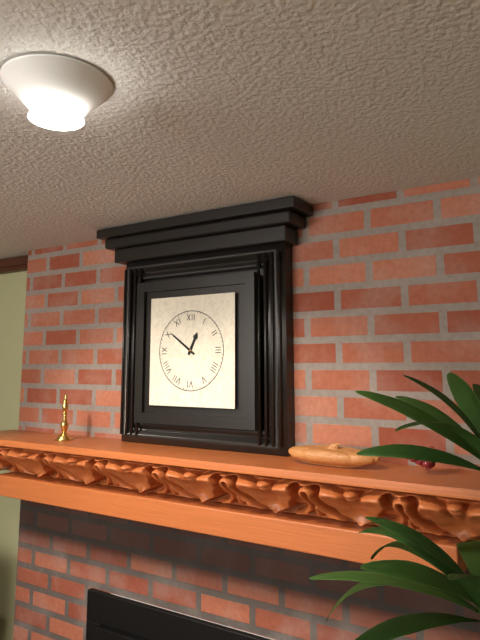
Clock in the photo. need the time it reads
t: 12:51
